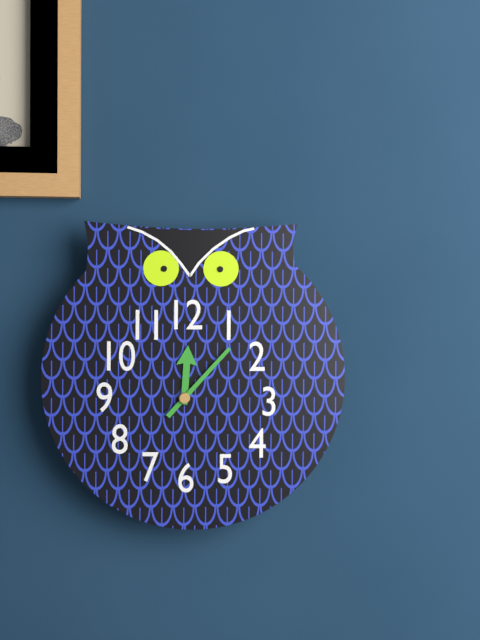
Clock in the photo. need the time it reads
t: 12:07
